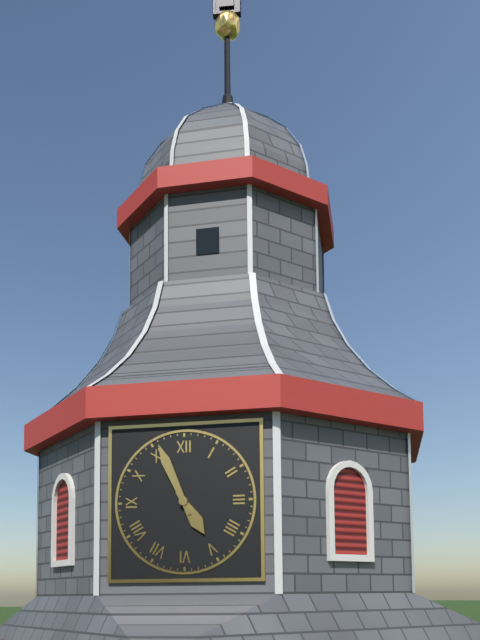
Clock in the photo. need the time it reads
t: 4:56
